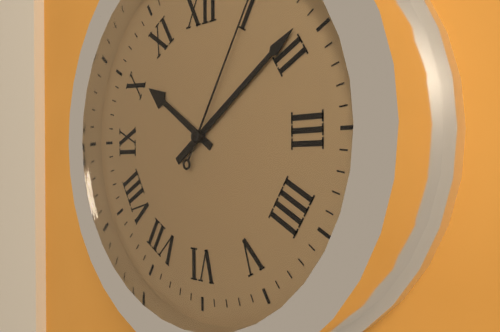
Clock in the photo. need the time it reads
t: 10:09
